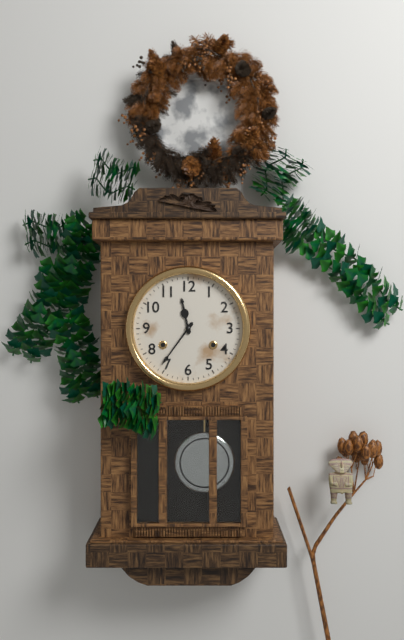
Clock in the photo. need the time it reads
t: 11:36
